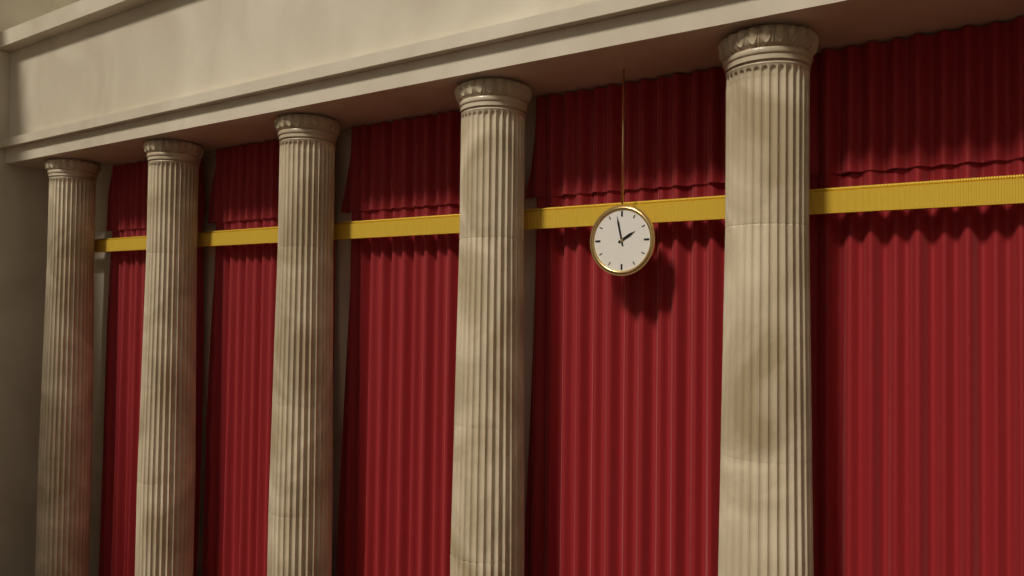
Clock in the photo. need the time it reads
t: 1:58
